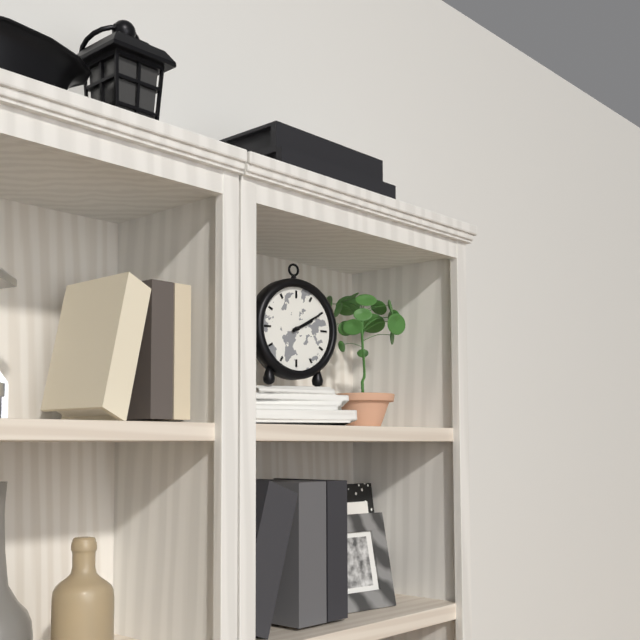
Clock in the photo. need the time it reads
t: 2:10
